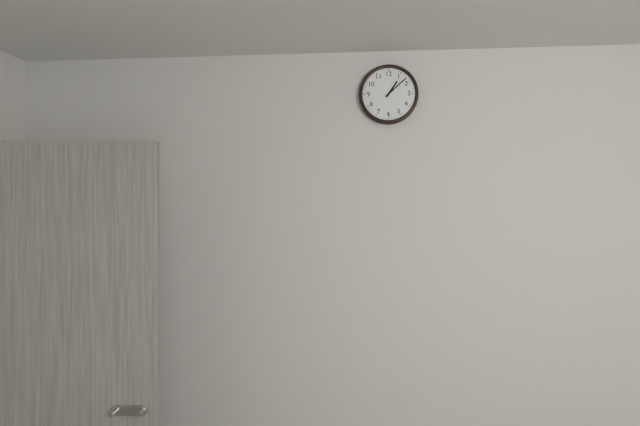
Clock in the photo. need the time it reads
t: 1:08
